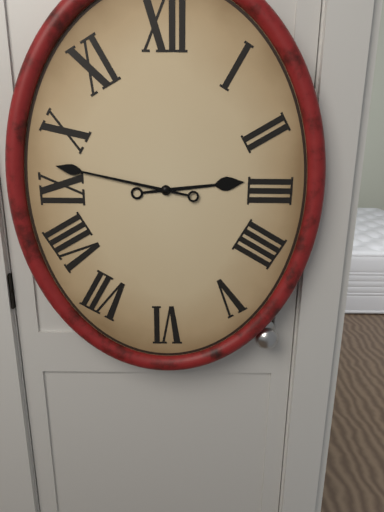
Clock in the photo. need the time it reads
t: 2:47
